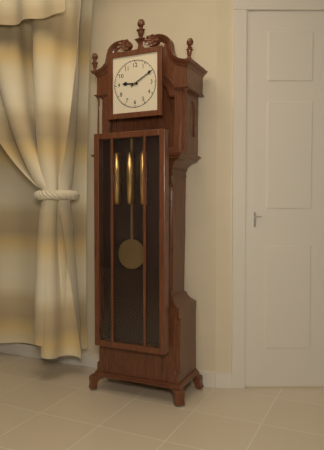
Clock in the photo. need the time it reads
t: 9:10
